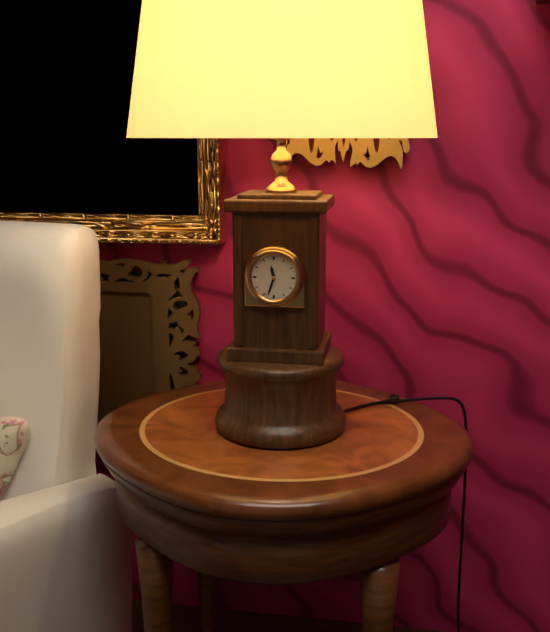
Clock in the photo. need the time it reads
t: 11:33
